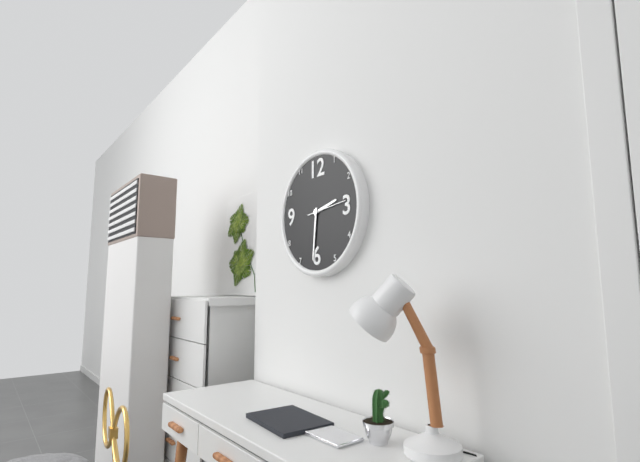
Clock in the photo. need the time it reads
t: 2:31
